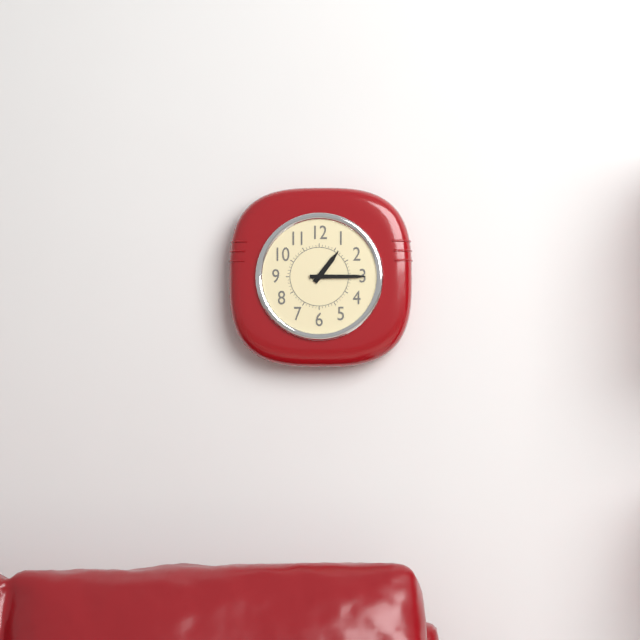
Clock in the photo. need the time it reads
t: 1:15
